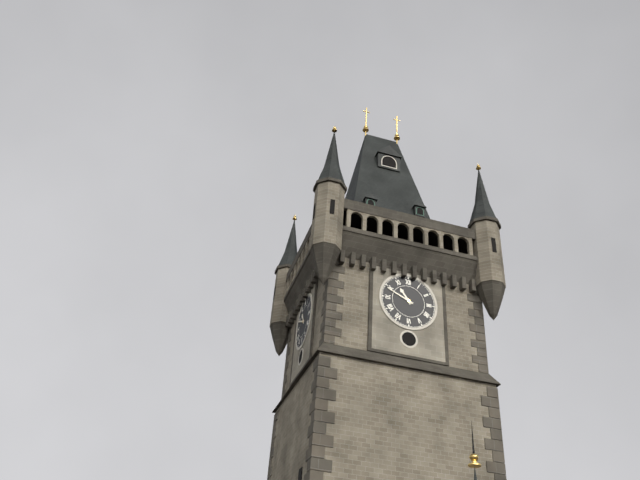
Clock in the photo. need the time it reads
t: 10:49
